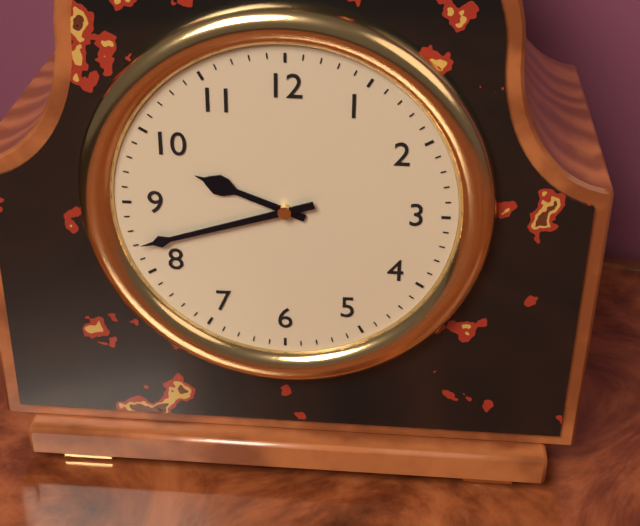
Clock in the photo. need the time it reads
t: 9:42
